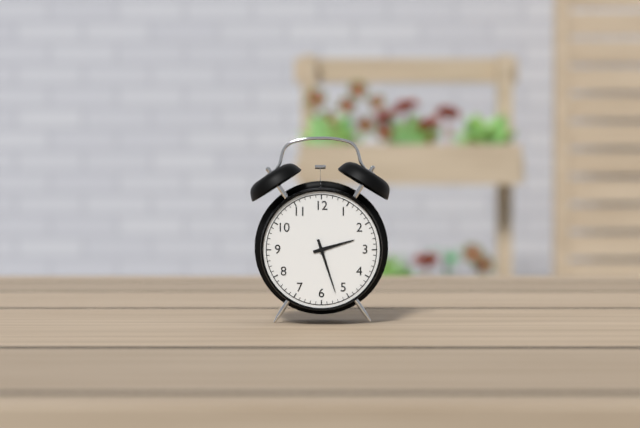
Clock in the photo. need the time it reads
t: 2:27
